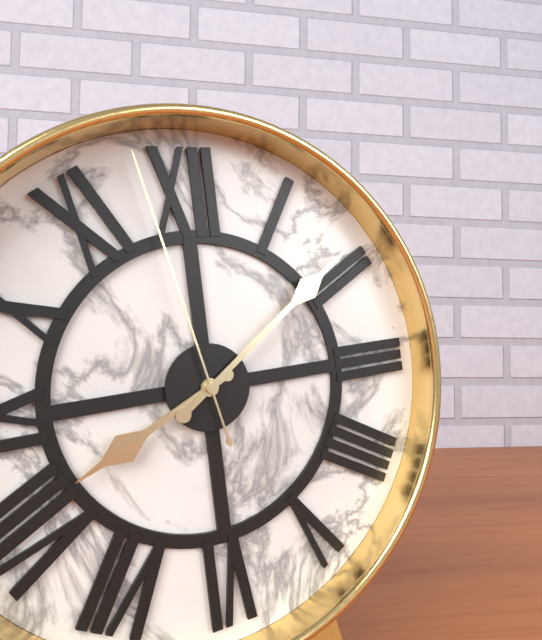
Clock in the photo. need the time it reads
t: 8:09:58
